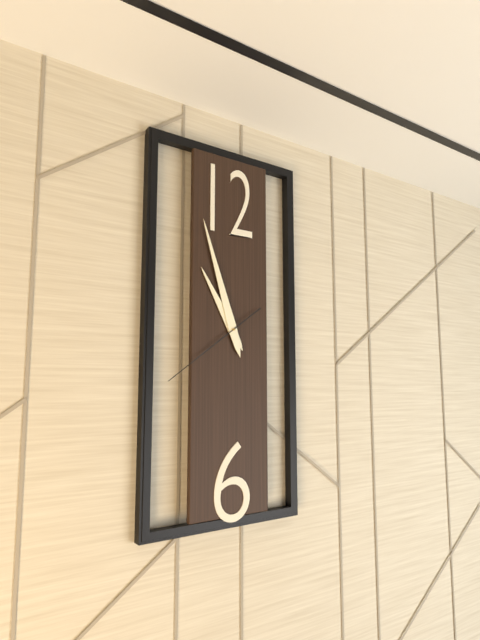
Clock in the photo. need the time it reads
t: 10:57:39
